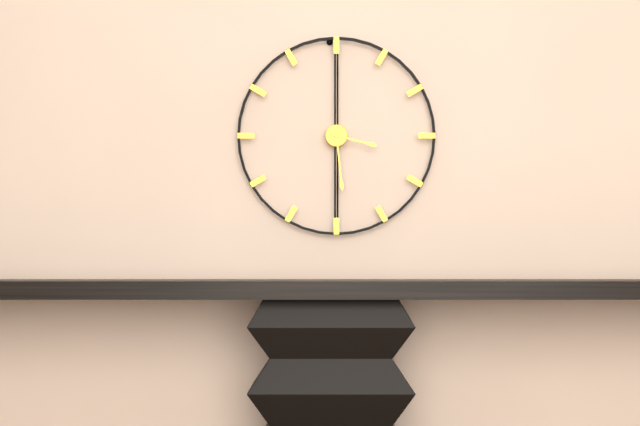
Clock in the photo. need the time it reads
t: 3:29
